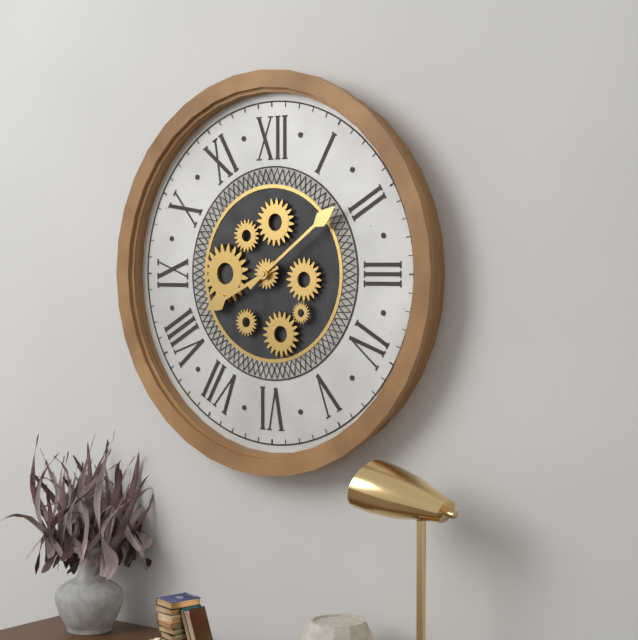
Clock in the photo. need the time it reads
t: 8:09
